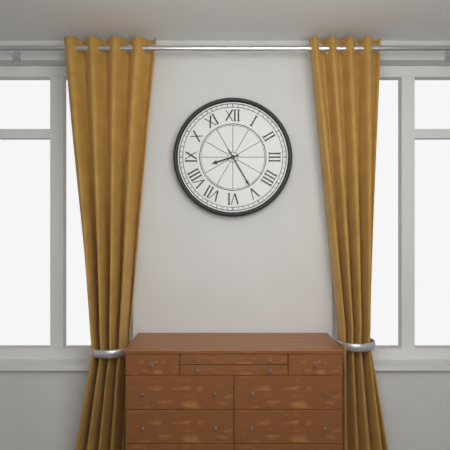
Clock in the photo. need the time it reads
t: 8:25
